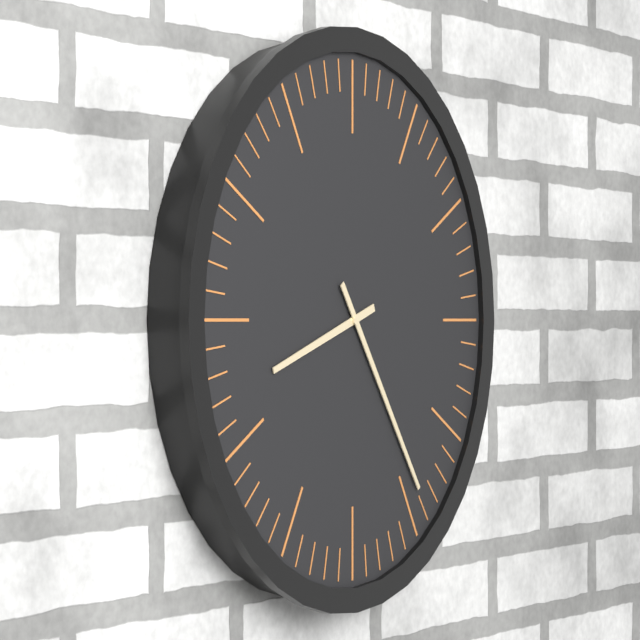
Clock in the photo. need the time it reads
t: 8:24
